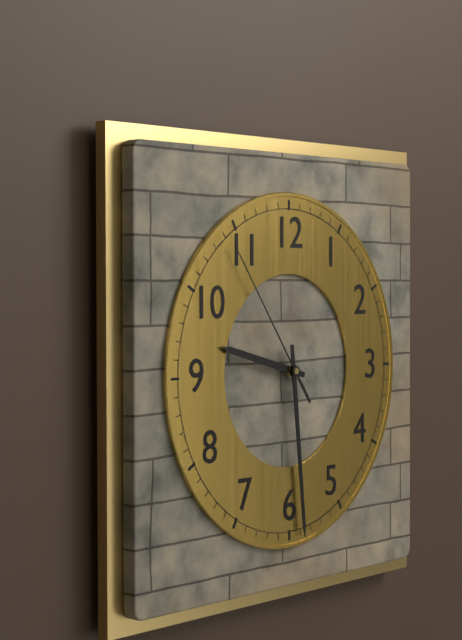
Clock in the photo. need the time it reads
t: 9:29:54
